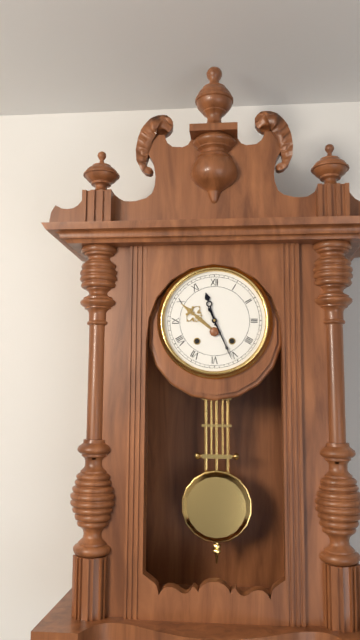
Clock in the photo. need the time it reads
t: 11:26
